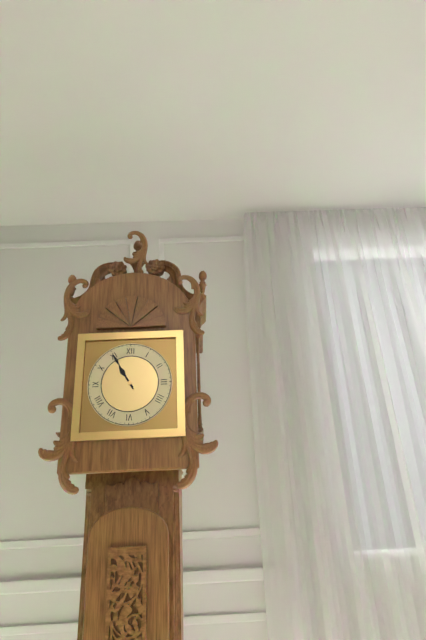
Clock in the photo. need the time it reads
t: 10:55
